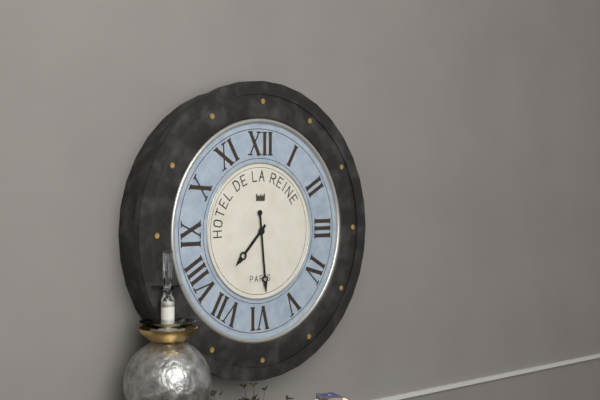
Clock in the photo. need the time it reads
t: 7:29
